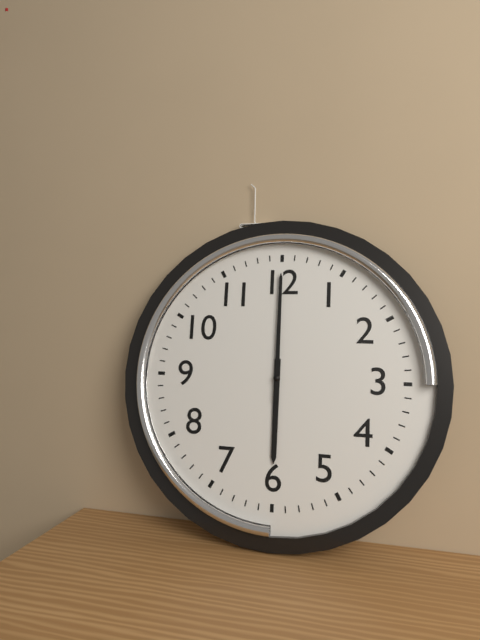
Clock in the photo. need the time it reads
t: 6:00
